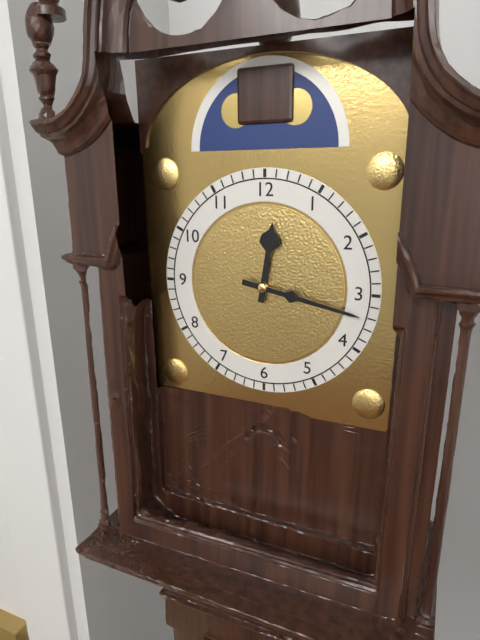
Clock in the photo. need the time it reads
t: 12:17
